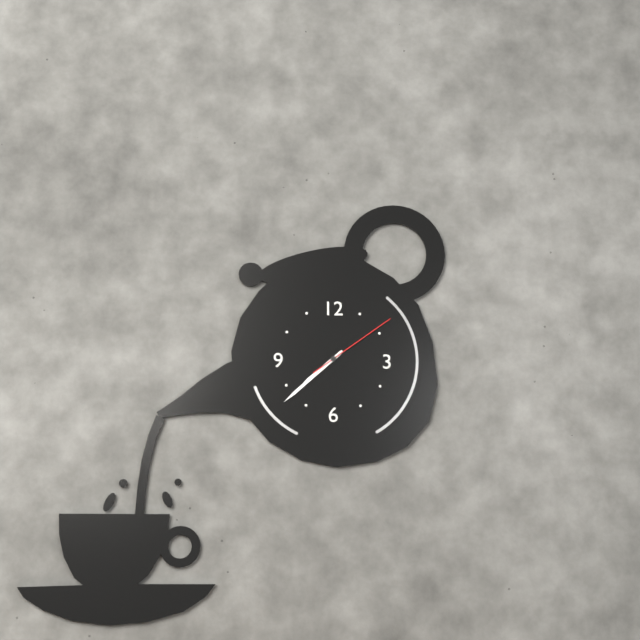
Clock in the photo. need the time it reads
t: 7:38:09
